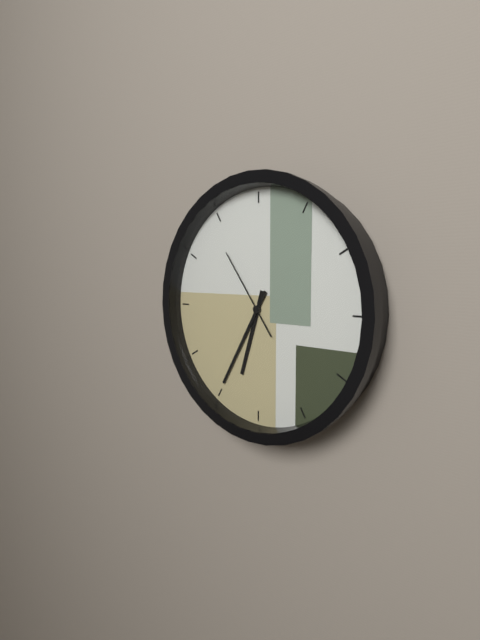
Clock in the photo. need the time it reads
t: 6:35:54
